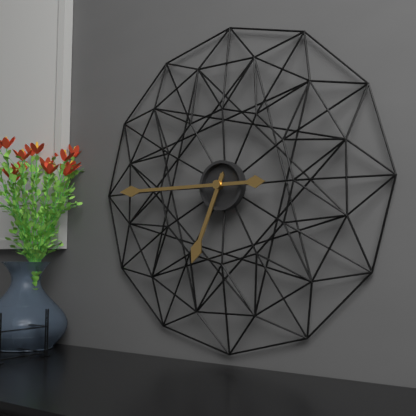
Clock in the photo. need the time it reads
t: 6:45
